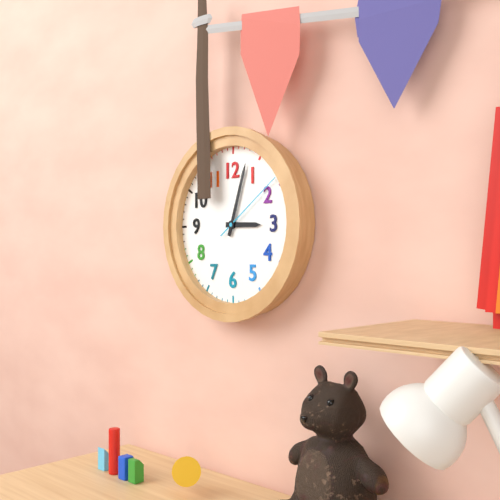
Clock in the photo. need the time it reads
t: 3:03:09
